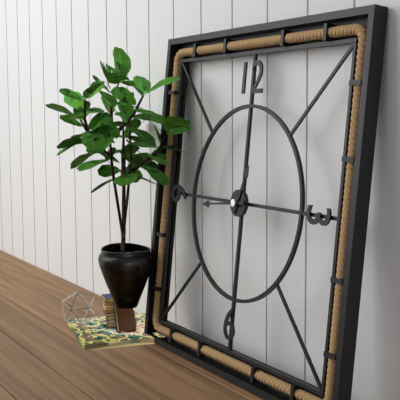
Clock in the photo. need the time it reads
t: 12:44
